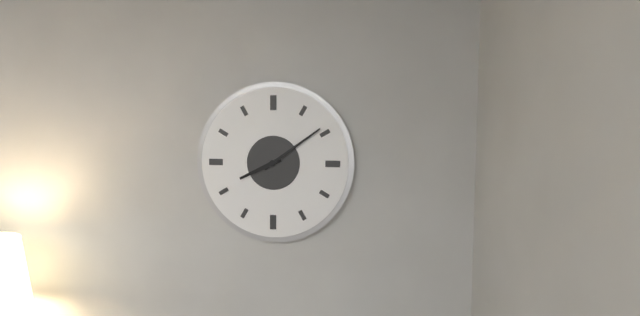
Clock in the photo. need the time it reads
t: 8:09
